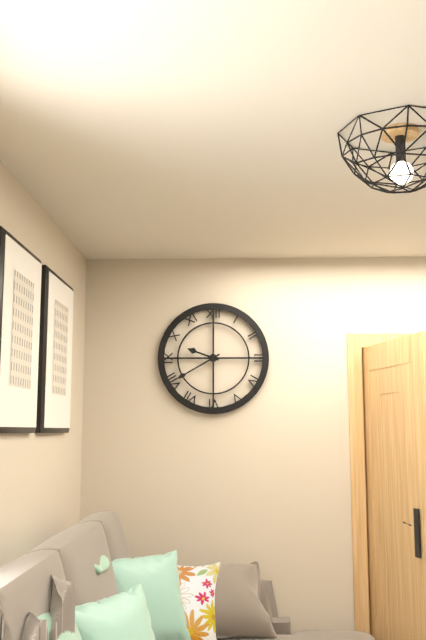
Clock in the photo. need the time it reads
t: 9:40
